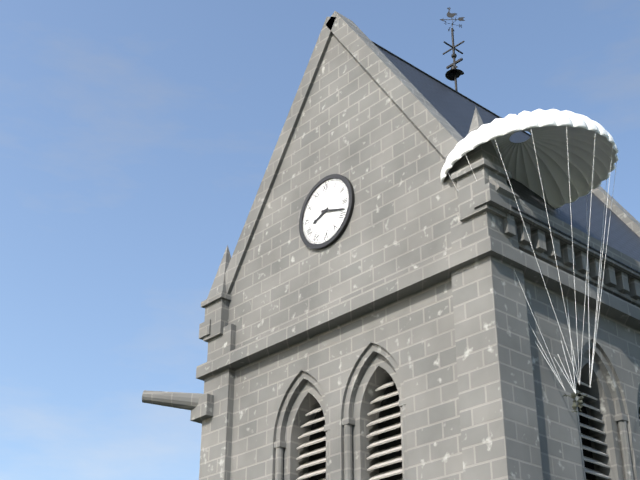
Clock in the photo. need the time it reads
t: 8:18
